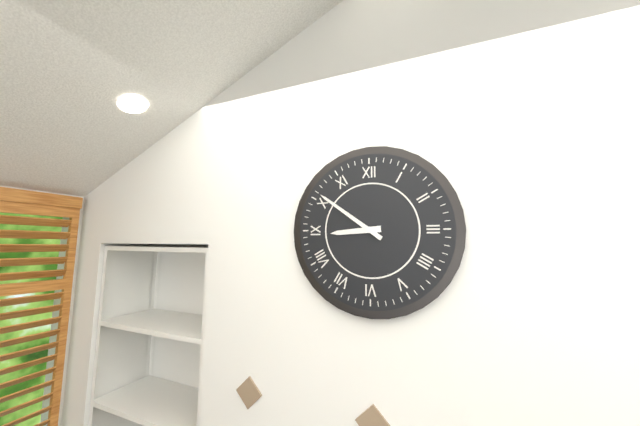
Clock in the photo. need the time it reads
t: 8:51
